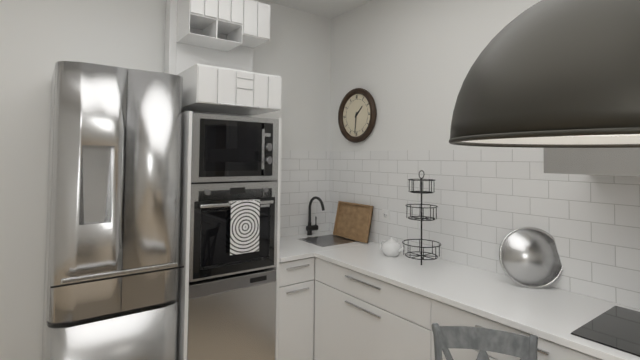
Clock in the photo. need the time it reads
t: 1:31
